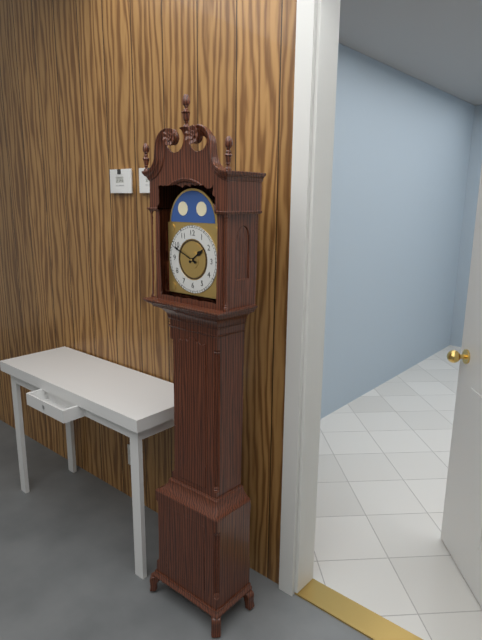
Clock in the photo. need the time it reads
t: 1:49
